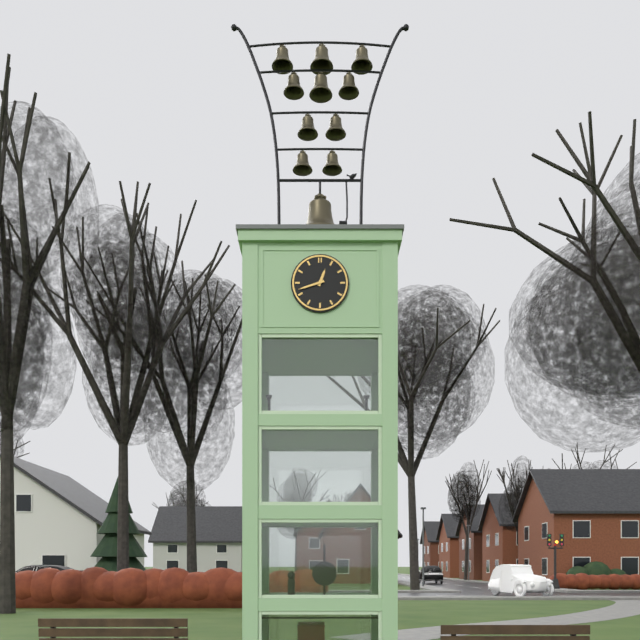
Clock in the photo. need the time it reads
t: 12:42
